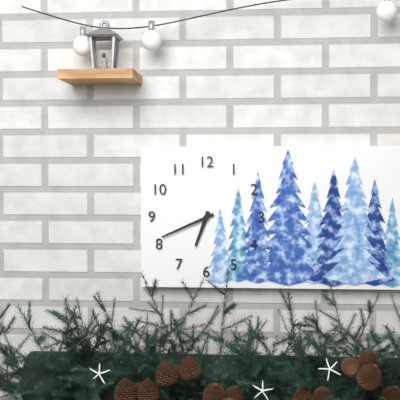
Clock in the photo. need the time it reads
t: 6:41
